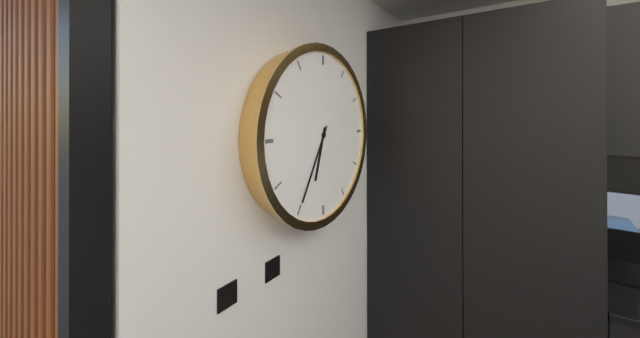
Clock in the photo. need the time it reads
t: 6:35
